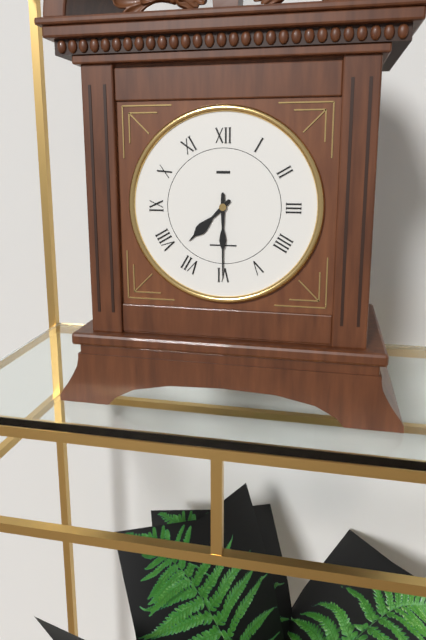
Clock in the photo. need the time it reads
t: 7:30
